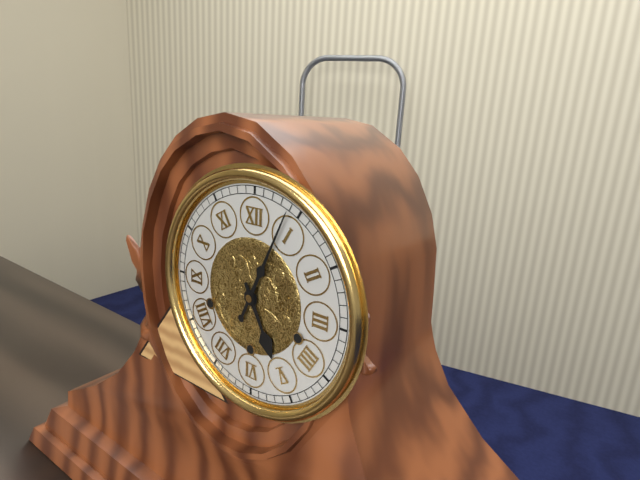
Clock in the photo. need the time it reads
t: 5:04
